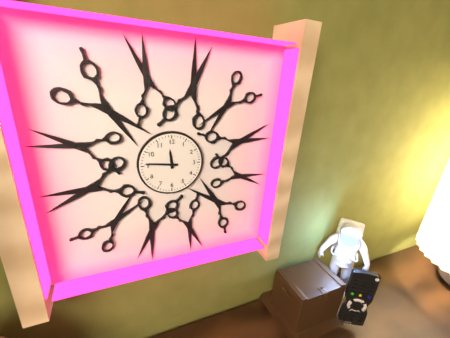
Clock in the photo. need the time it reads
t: 11:46
